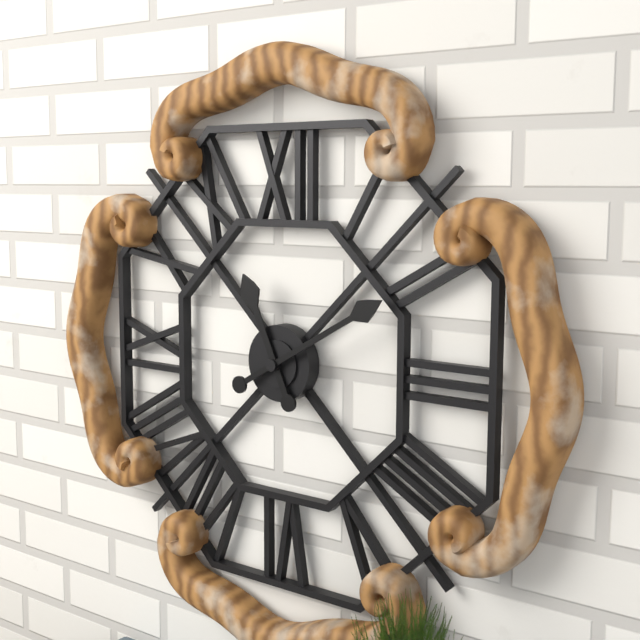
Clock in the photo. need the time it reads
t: 11:10
